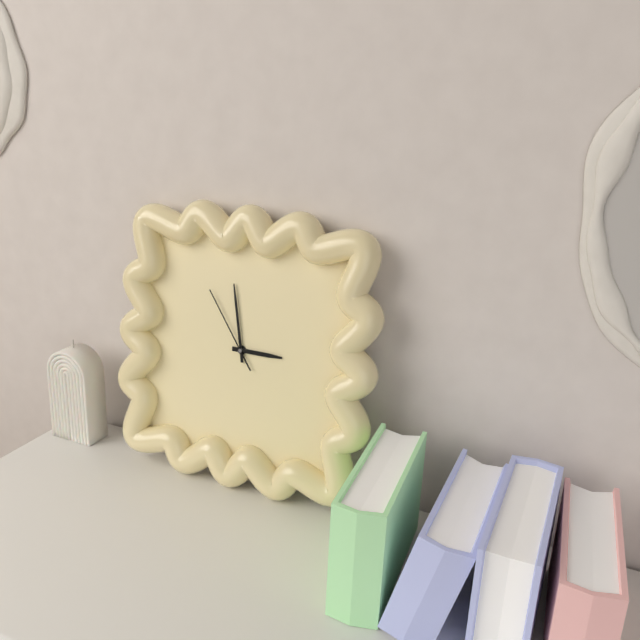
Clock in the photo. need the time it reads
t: 2:58:54
